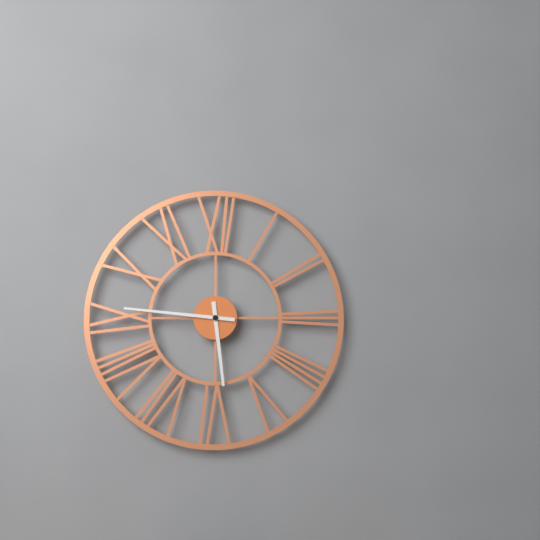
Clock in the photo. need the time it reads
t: 5:46
